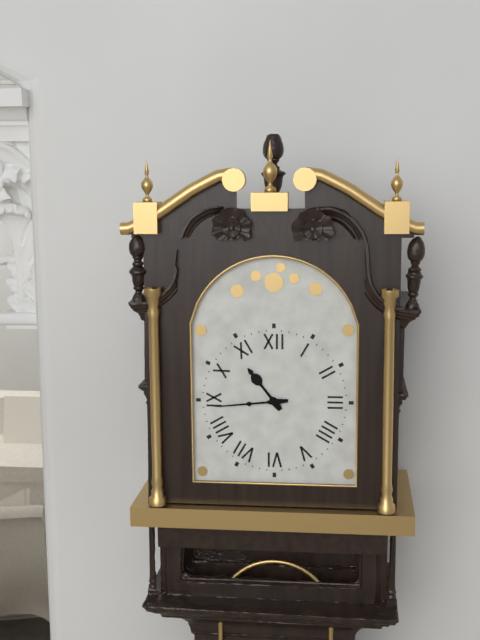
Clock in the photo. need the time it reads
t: 10:44
